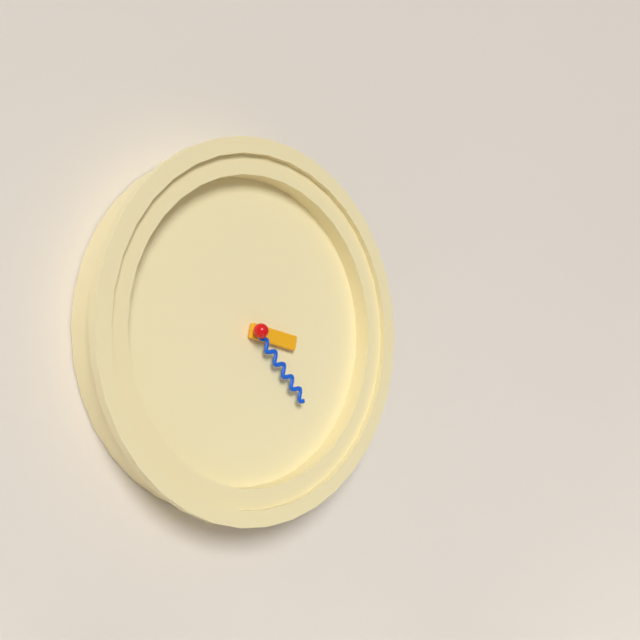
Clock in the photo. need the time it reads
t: 3:23
